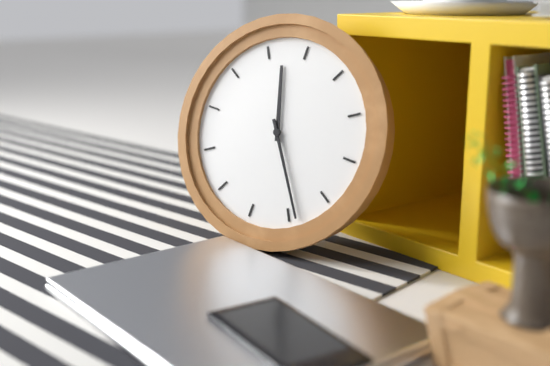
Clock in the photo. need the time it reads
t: 11:24
